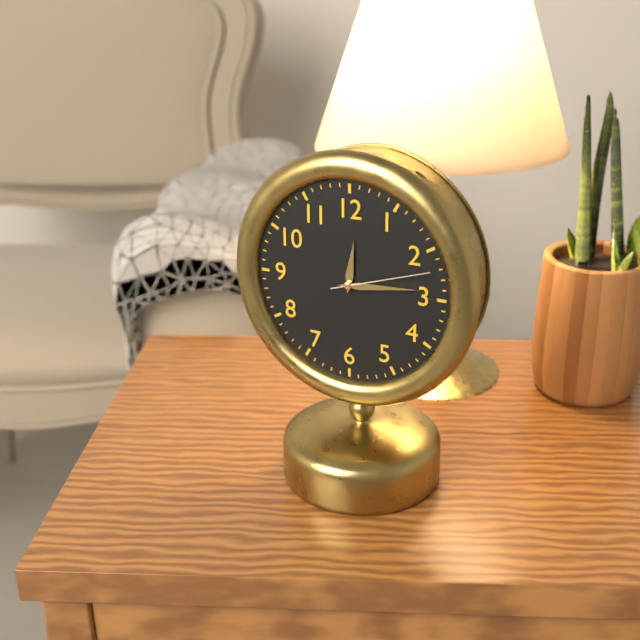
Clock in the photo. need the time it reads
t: 12:14:12
